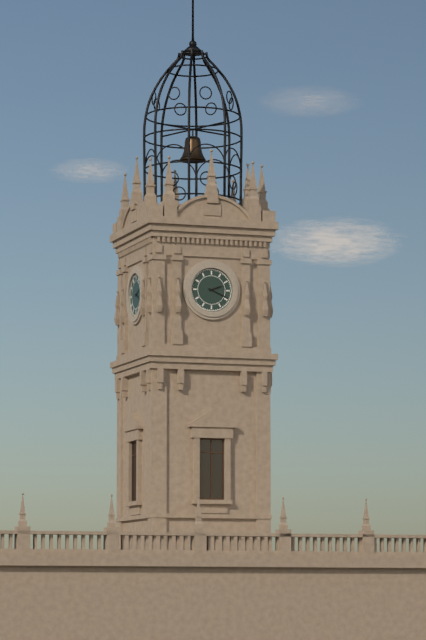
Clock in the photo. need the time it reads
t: 2:19
